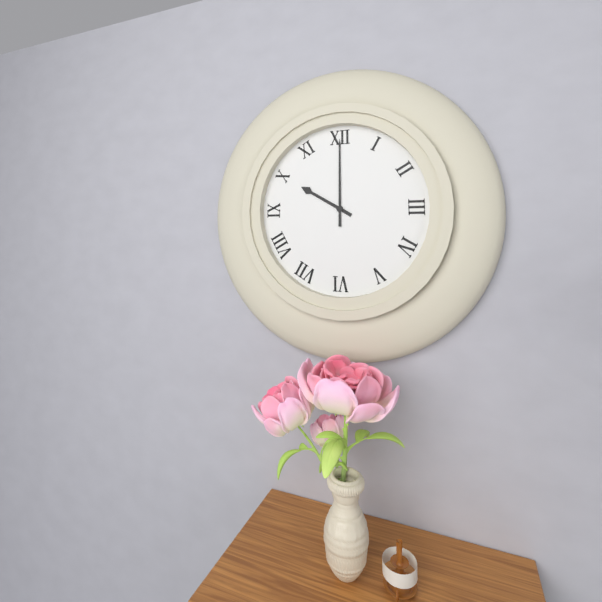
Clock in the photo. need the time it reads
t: 10:00
